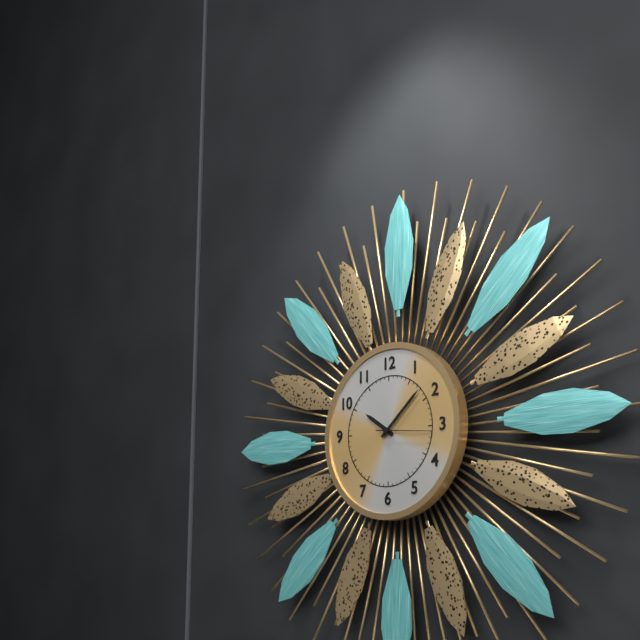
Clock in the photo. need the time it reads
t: 10:08
